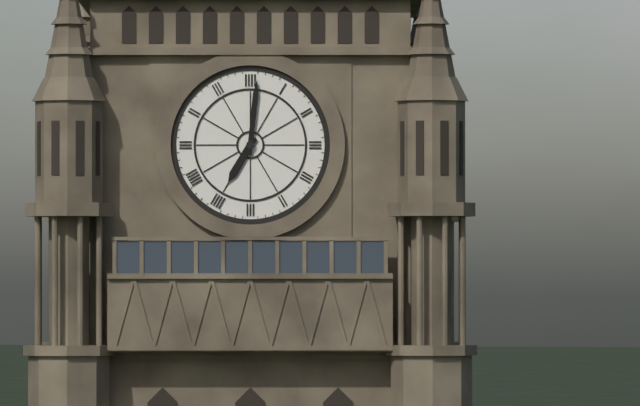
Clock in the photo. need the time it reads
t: 7:01
